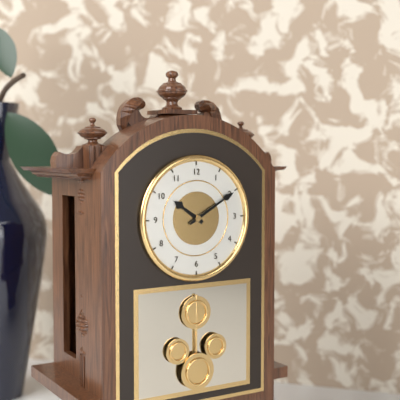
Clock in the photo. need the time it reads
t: 10:10
